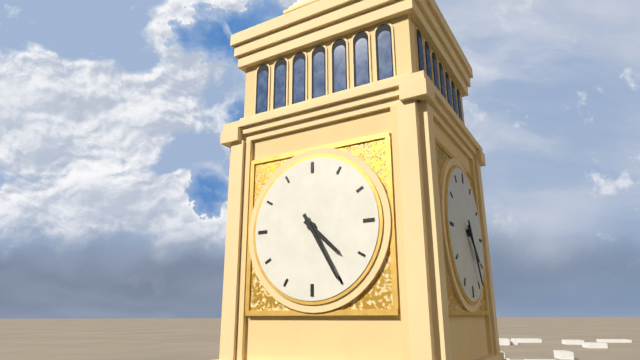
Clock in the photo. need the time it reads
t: 4:25
